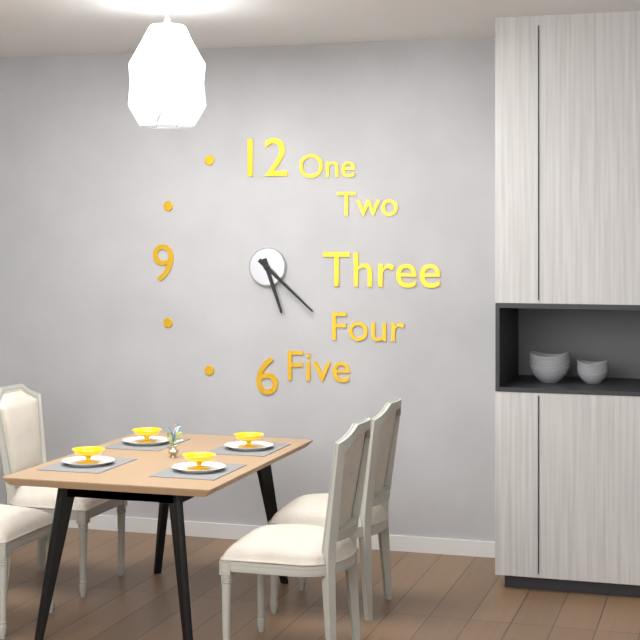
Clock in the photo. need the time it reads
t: 5:22
